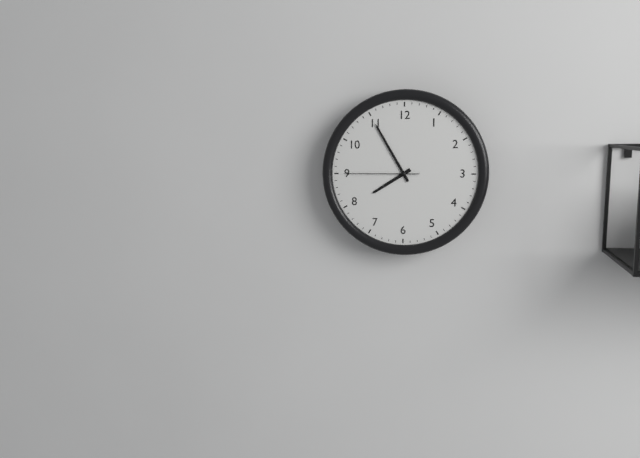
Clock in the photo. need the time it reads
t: 7:55:45
